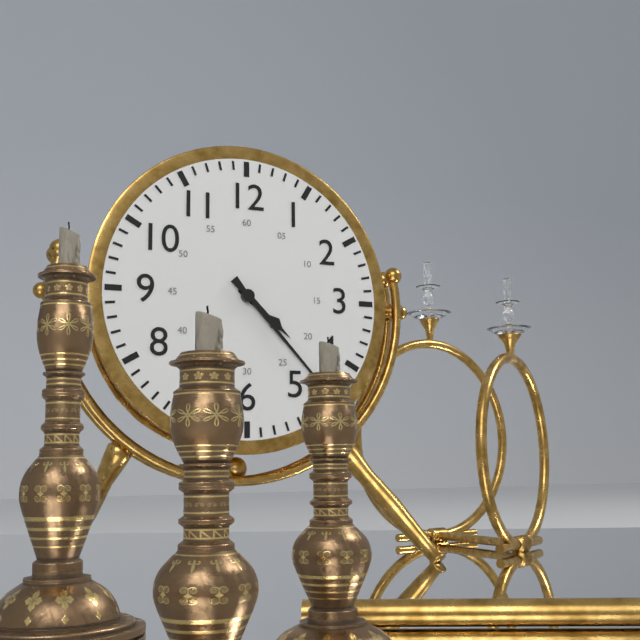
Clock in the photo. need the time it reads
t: 4:23
